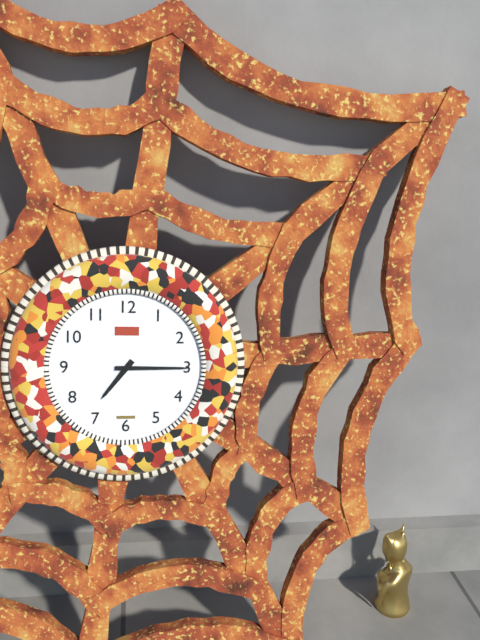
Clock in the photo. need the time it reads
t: 7:15
